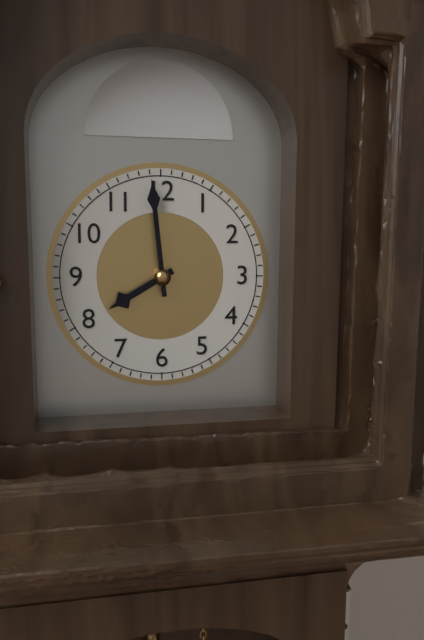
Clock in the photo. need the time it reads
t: 7:59
